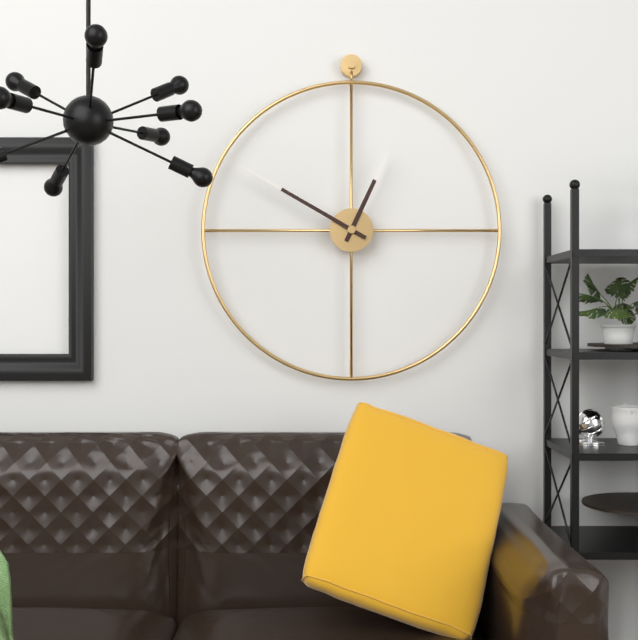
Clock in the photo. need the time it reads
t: 12:50
